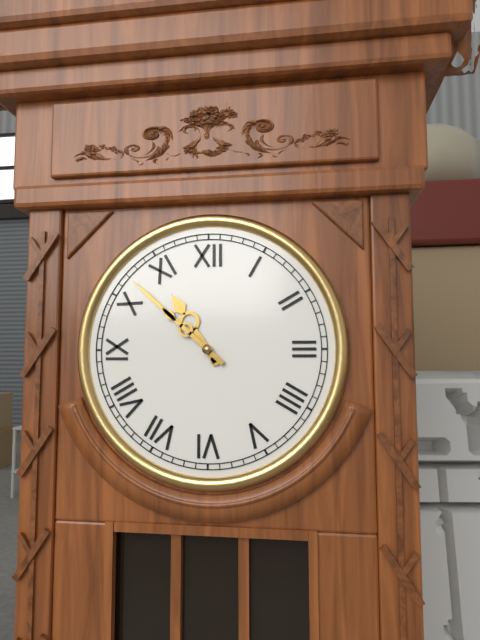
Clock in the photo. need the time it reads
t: 10:52
